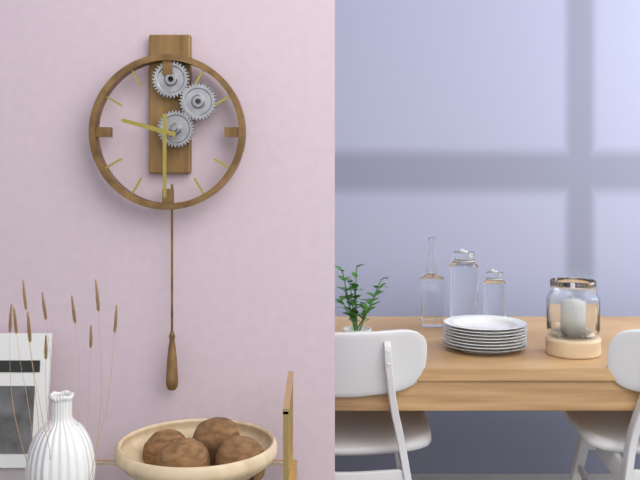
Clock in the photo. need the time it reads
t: 9:30
